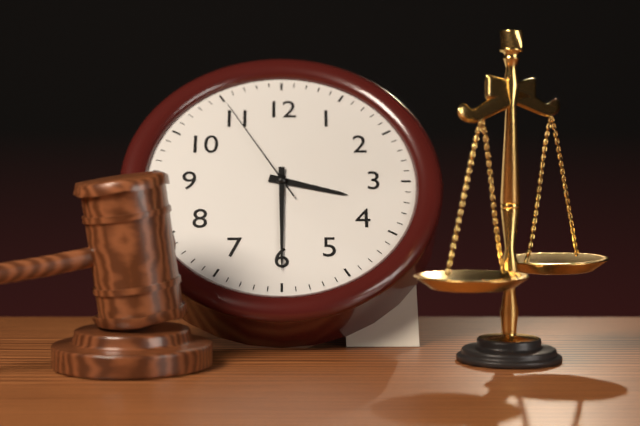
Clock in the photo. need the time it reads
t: 3:30:55
